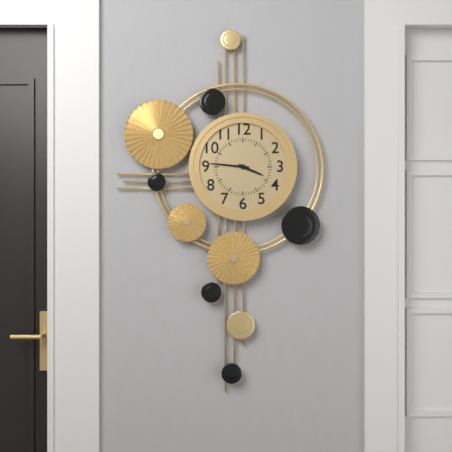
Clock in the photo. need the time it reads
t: 3:46
